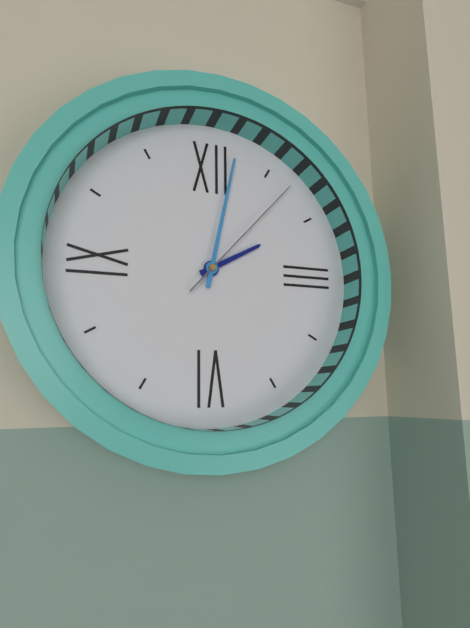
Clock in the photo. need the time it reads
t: 2:02:07
